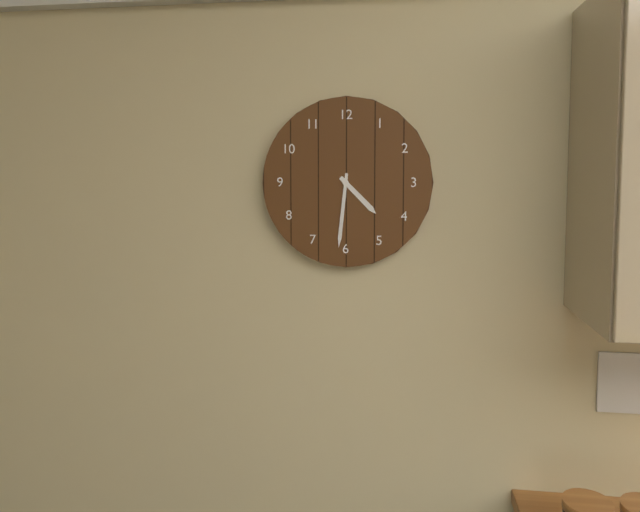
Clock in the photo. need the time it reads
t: 4:31
